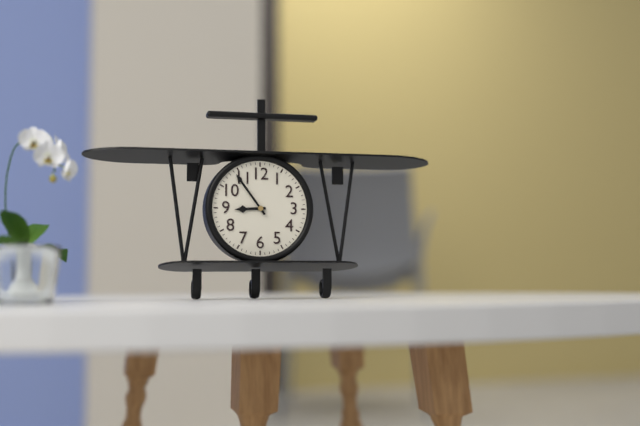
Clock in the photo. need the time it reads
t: 8:54
